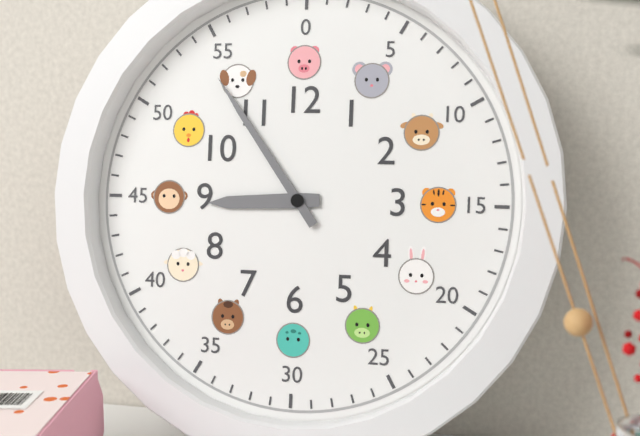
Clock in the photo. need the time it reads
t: 8:54
